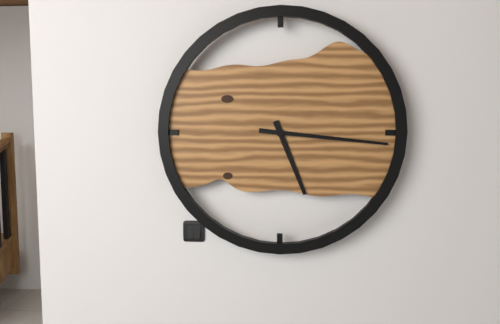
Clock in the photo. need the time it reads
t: 5:16
